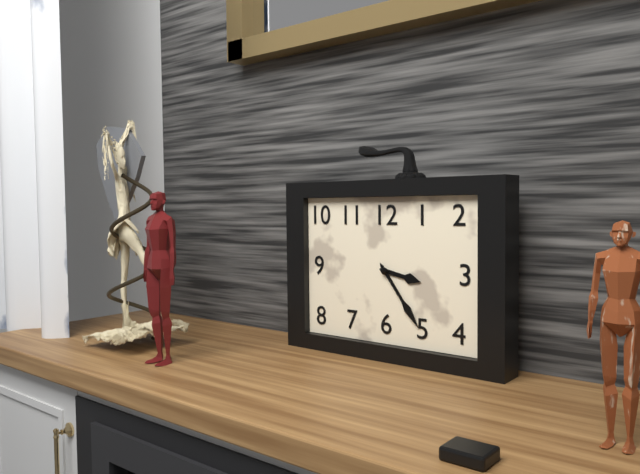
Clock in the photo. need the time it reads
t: 3:24
